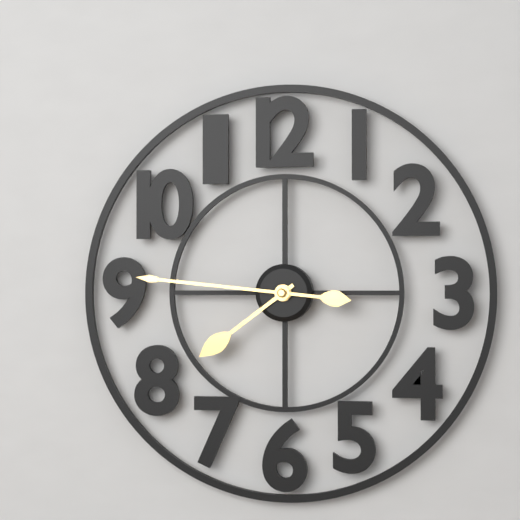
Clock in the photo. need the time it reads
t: 7:46
